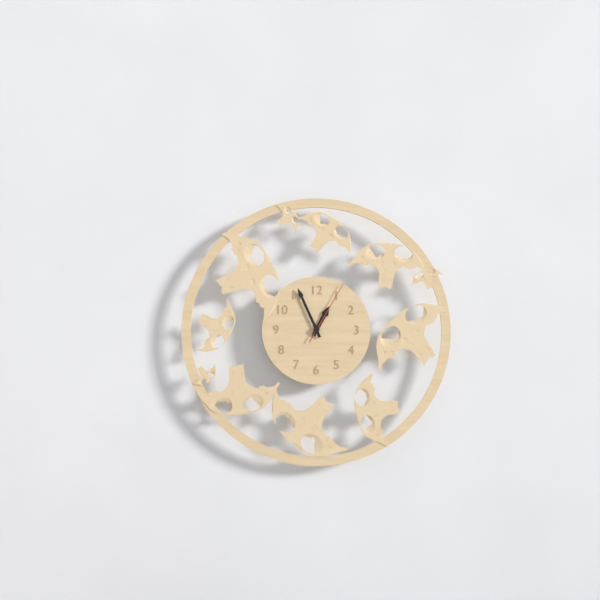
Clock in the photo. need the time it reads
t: 12:56:05
